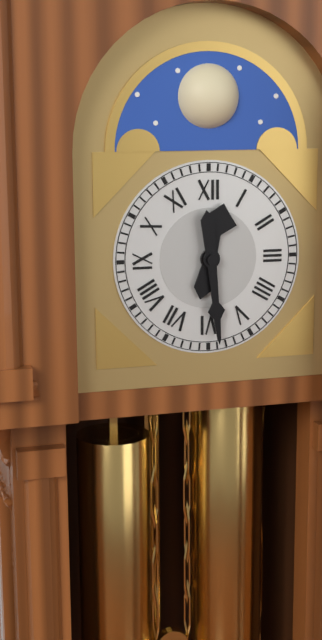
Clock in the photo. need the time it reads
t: 12:29
